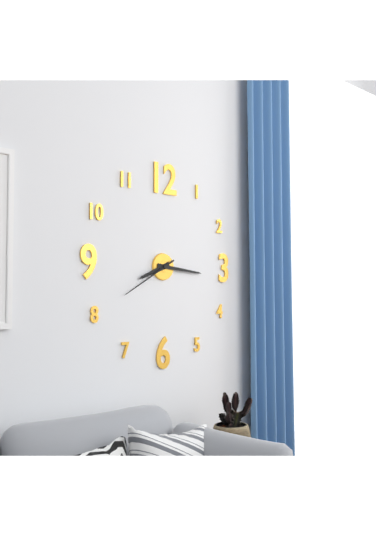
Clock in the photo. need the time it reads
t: 8:16:40
